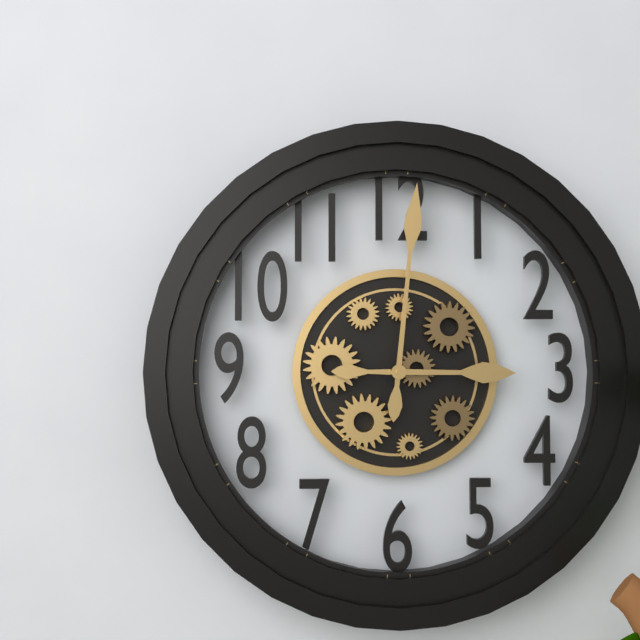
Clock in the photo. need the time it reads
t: 3:01
